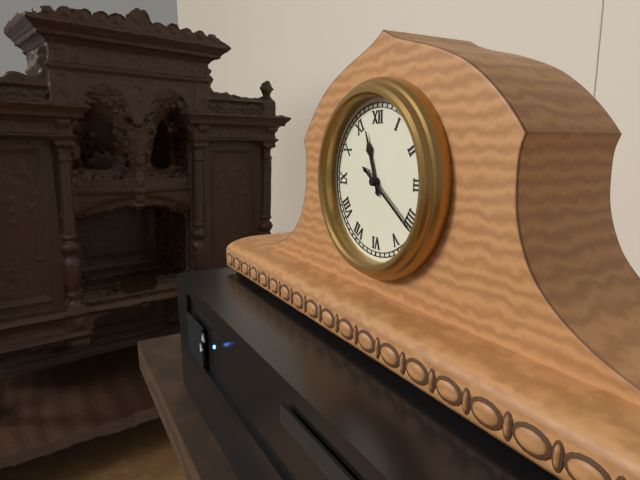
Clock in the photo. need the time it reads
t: 11:21
